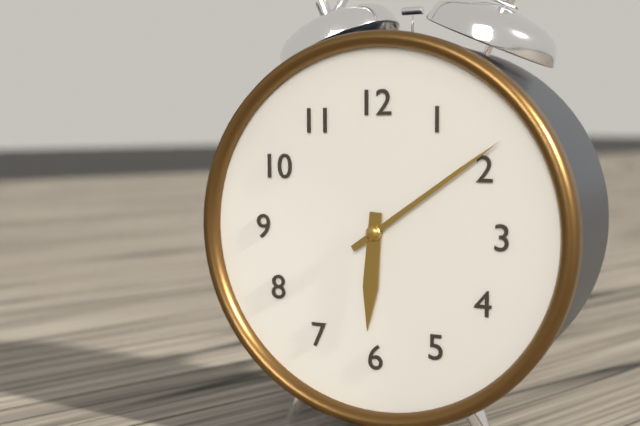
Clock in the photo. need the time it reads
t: 6:09
